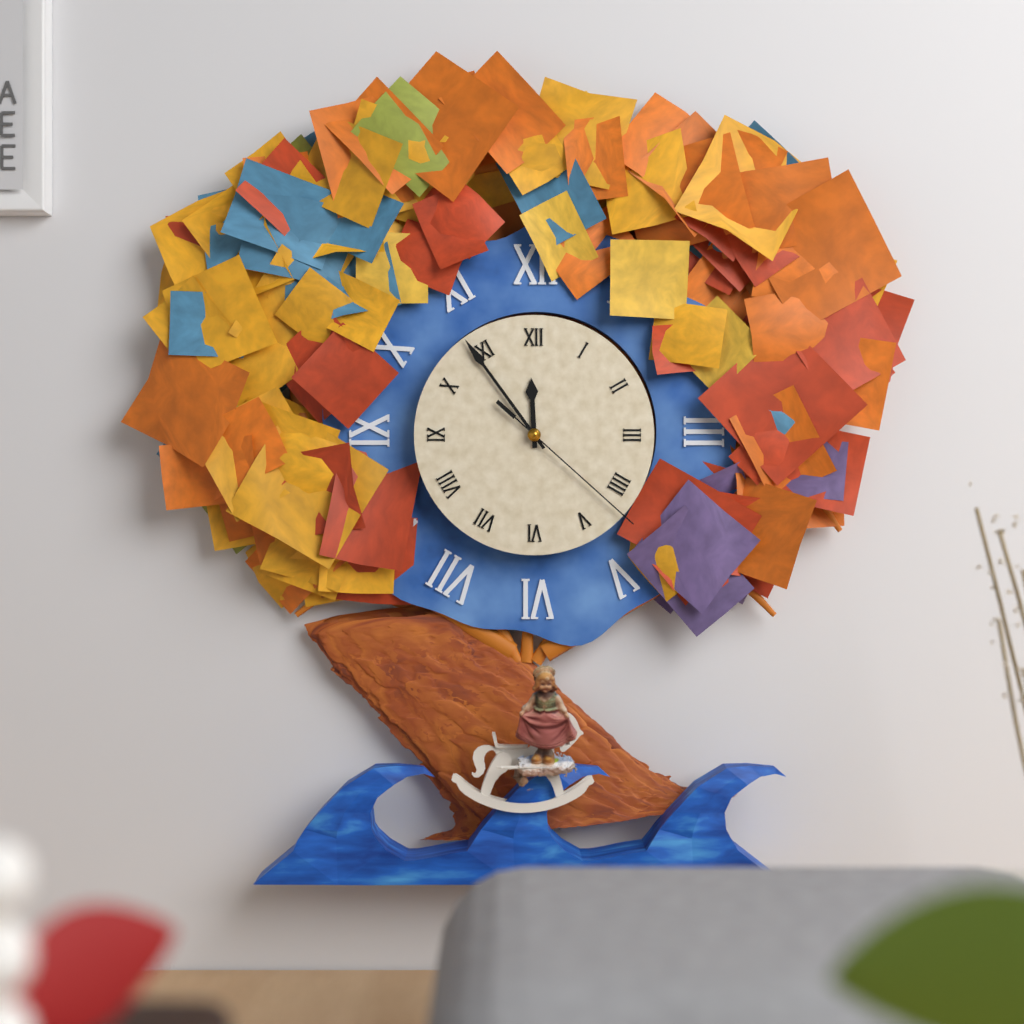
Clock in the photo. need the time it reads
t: 11:54:22
